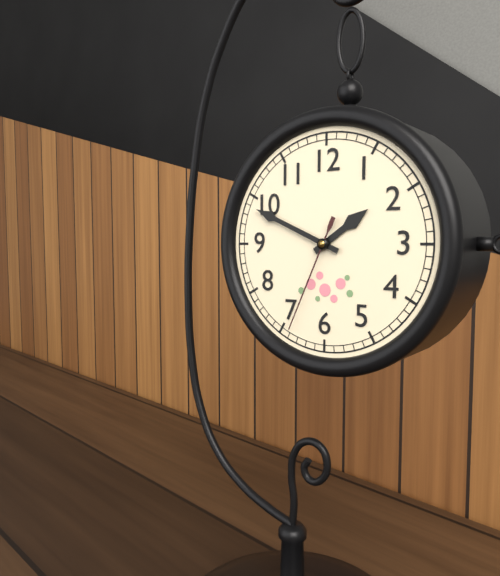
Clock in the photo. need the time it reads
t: 1:49:34
